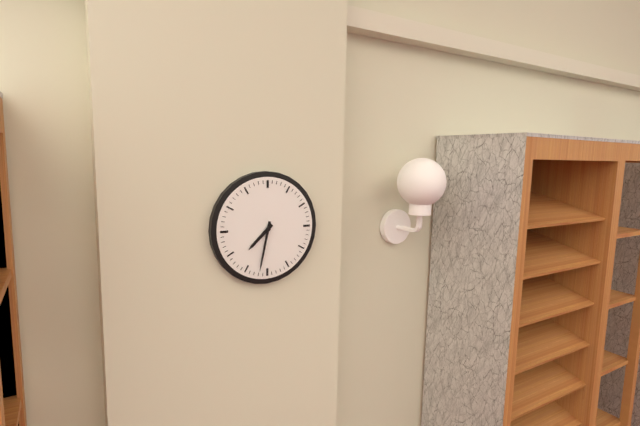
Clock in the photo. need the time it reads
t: 7:32
